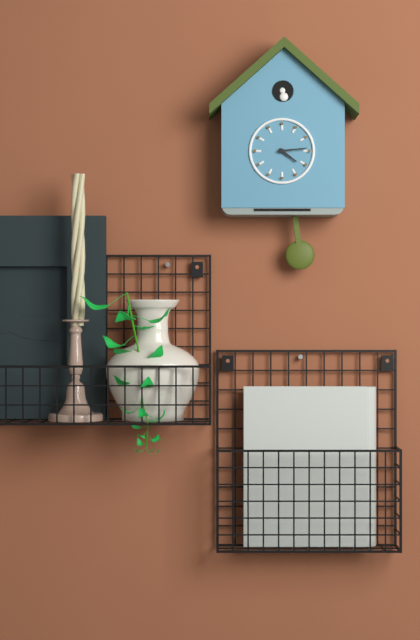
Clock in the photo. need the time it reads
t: 4:14
